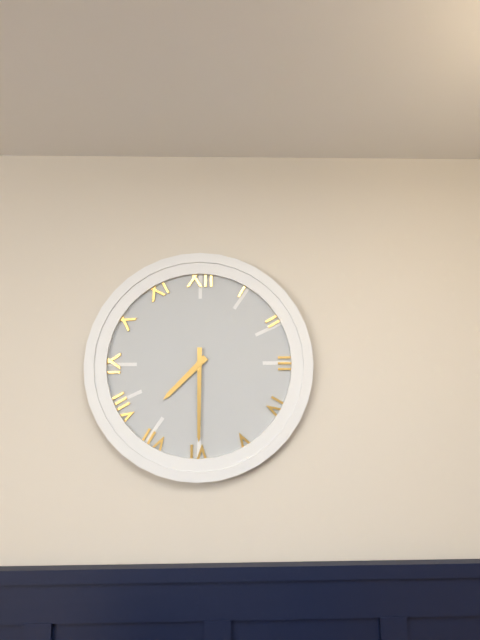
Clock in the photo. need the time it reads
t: 7:30
